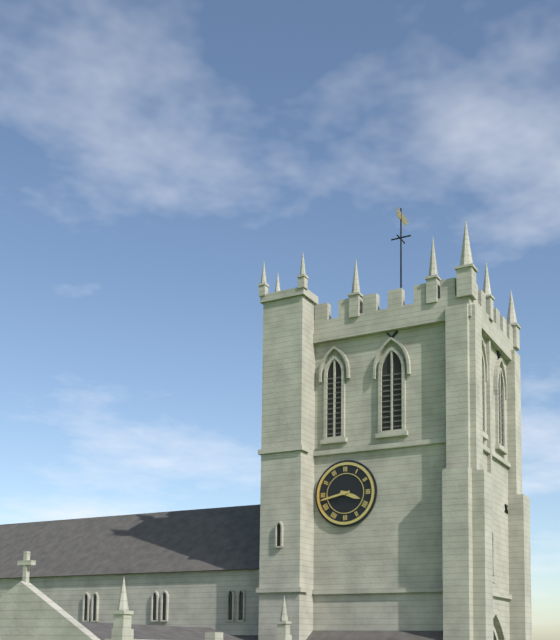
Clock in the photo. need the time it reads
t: 3:43
